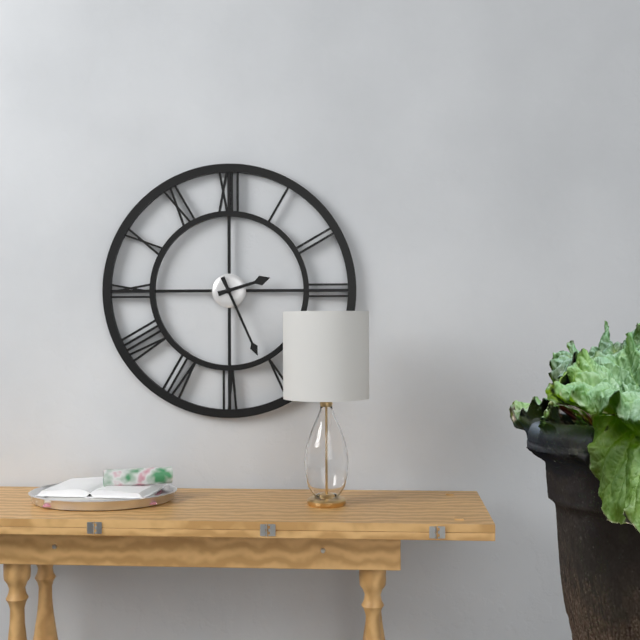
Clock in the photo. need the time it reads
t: 2:26
